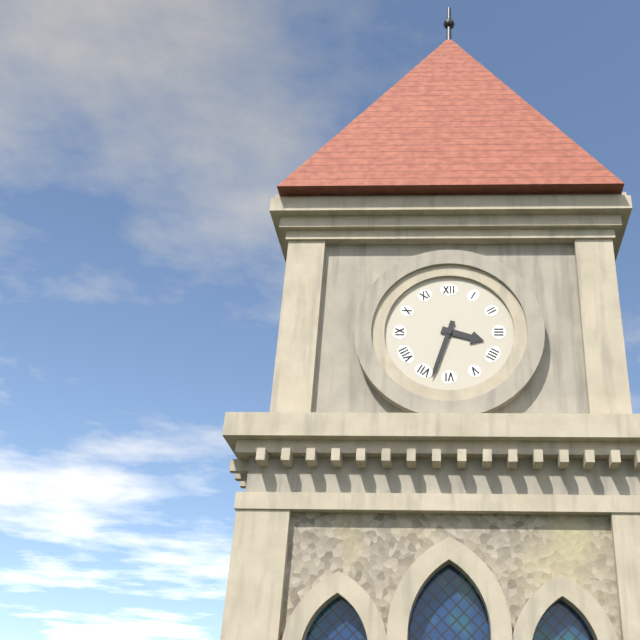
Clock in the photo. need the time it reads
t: 3:33
